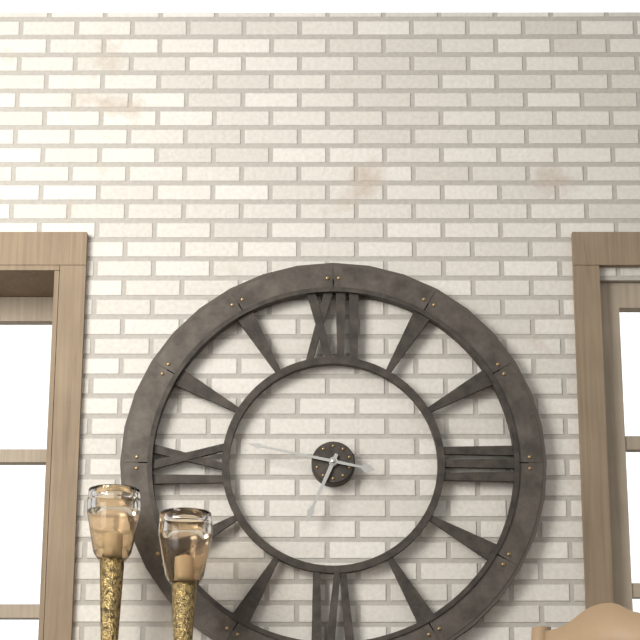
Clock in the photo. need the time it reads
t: 6:47
